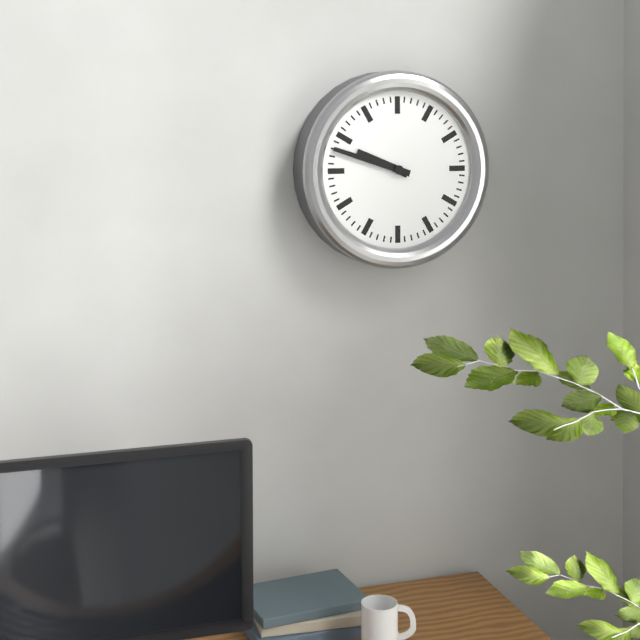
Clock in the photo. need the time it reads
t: 9:48
